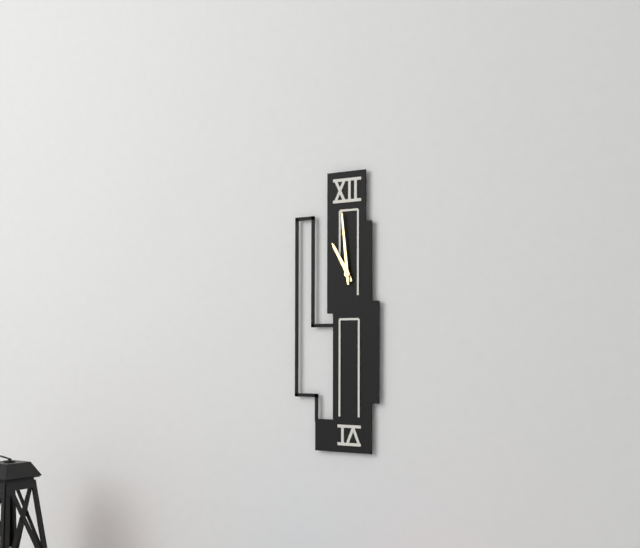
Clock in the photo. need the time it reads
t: 10:59
